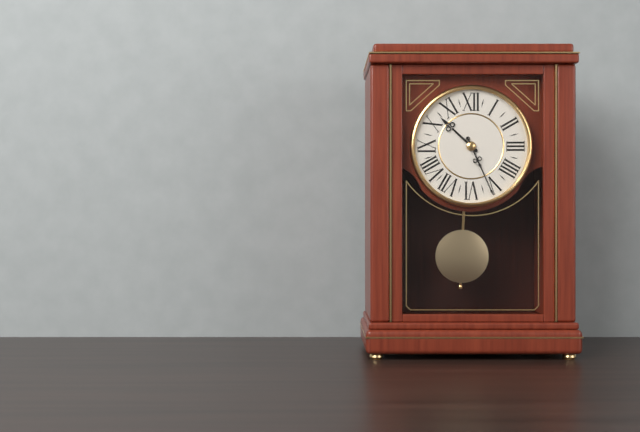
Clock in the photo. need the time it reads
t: 10:26
